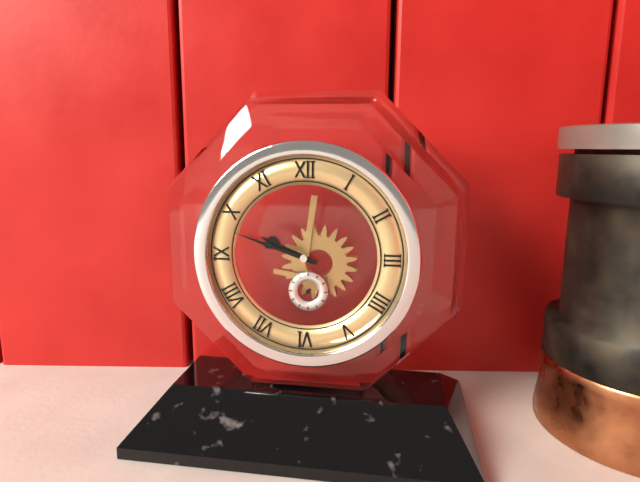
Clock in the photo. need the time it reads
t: 9:48
